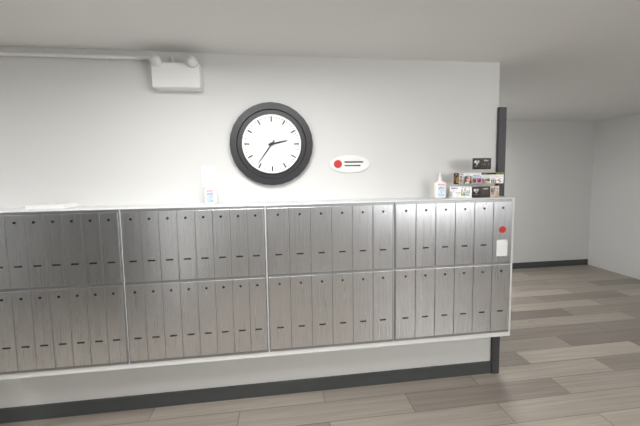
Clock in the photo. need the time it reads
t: 2:36
